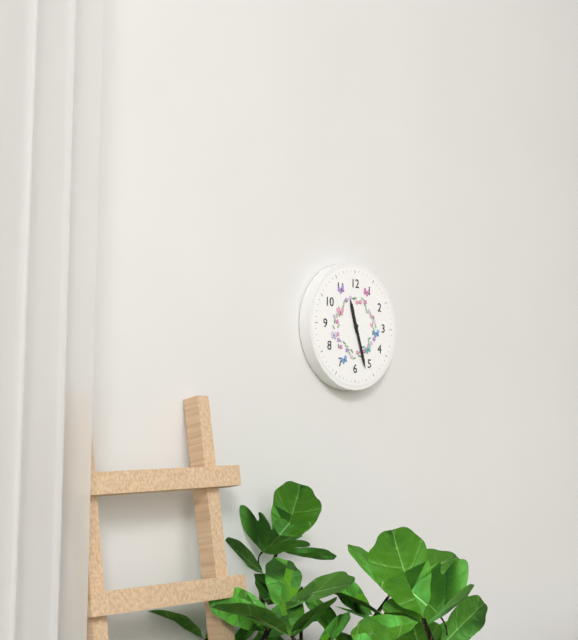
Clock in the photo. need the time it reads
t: 11:27
